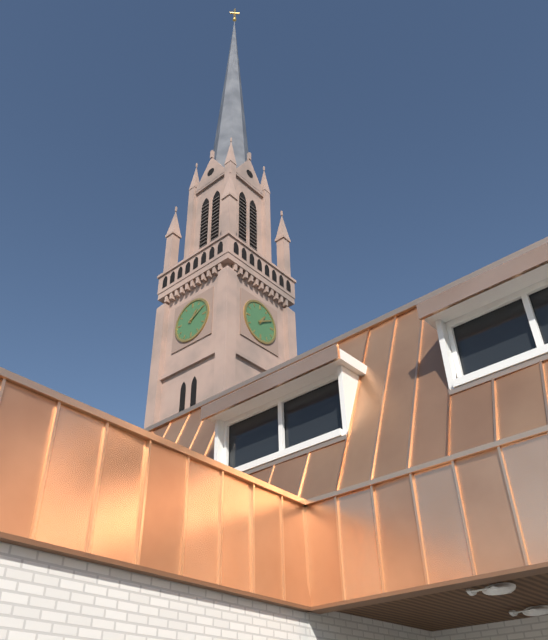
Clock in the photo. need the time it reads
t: 1:10
